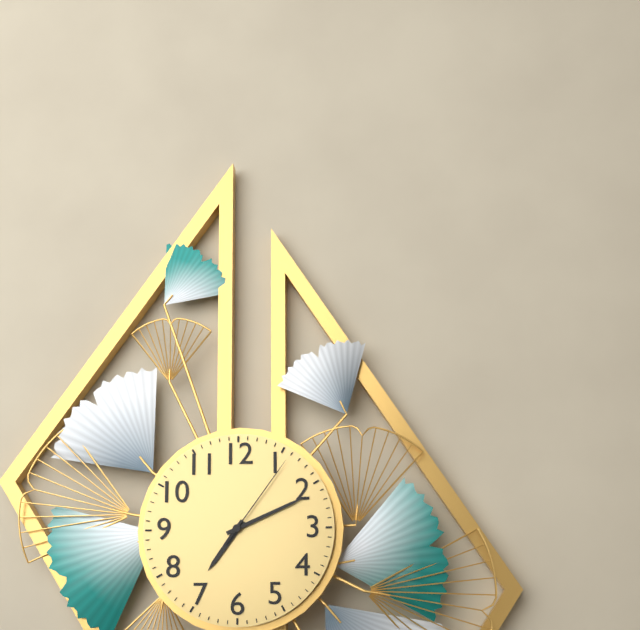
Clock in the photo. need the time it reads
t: 7:11:06
